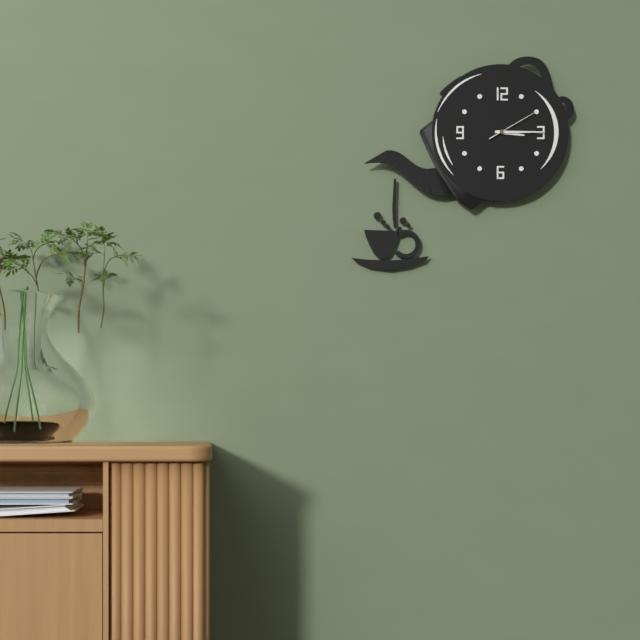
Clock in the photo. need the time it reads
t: 3:15
